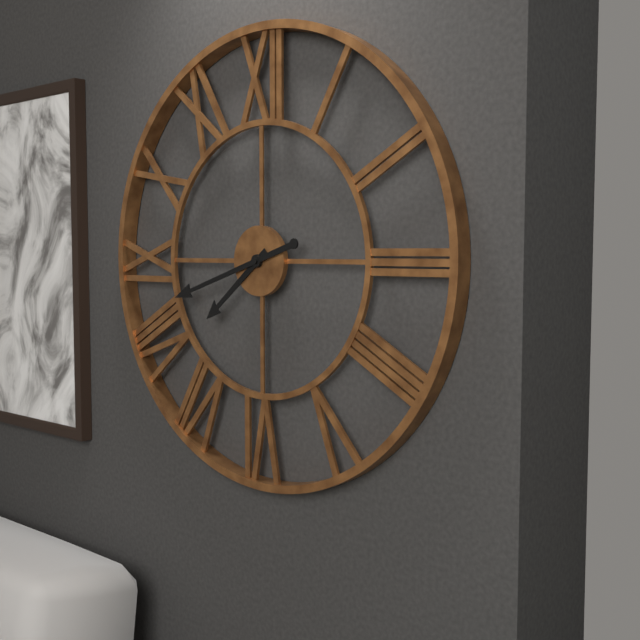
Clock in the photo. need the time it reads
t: 7:42
